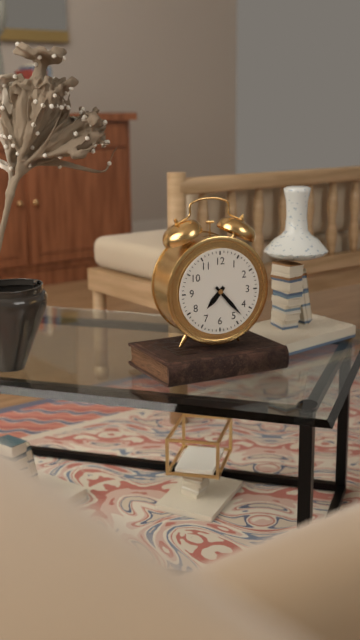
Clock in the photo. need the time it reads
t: 7:23
